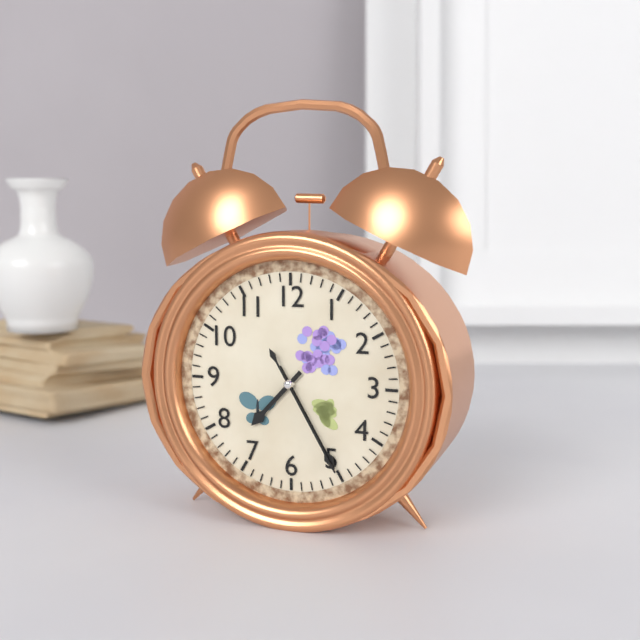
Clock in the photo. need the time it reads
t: 7:25:25
